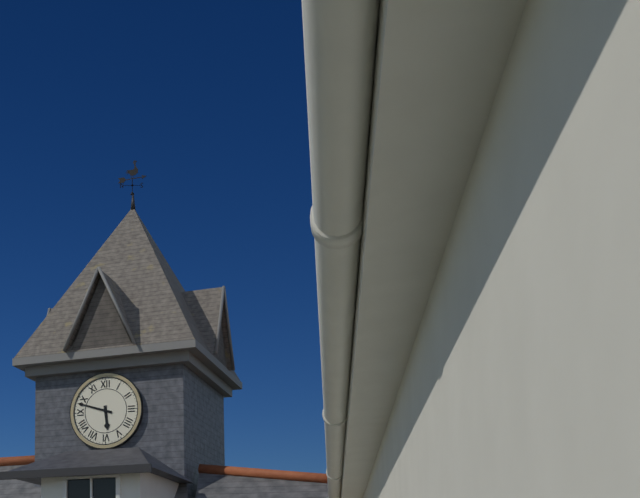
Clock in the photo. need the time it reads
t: 5:48
